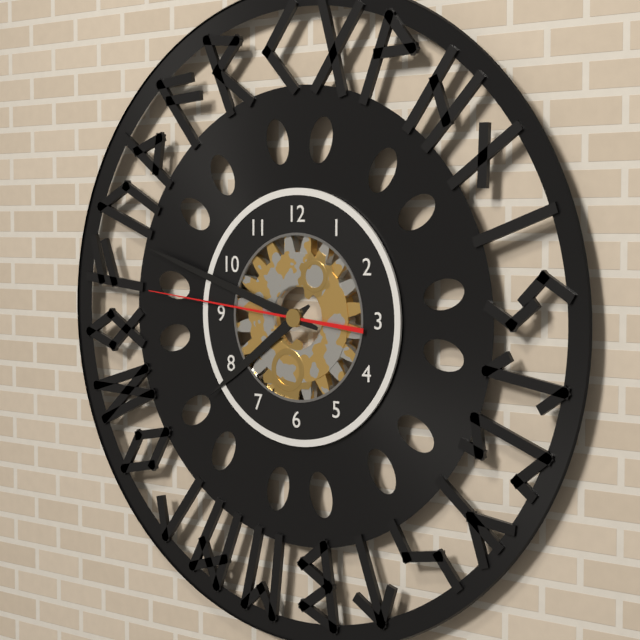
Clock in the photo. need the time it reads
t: 7:48:46
